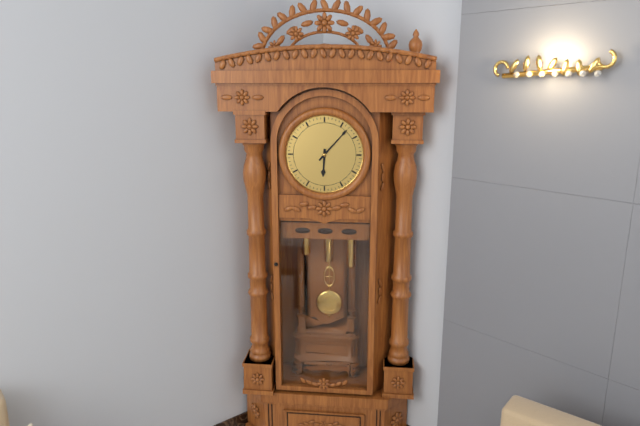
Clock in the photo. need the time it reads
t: 6:07
